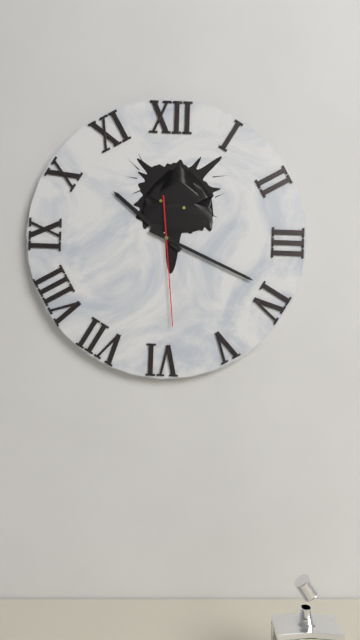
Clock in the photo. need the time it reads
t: 10:19:29
